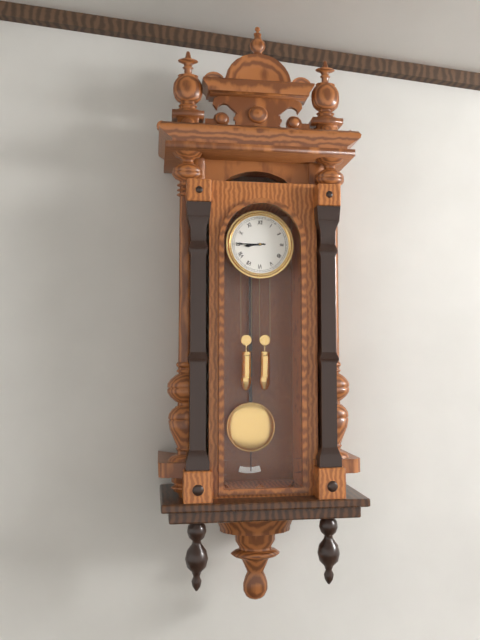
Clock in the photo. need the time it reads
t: 8:45
